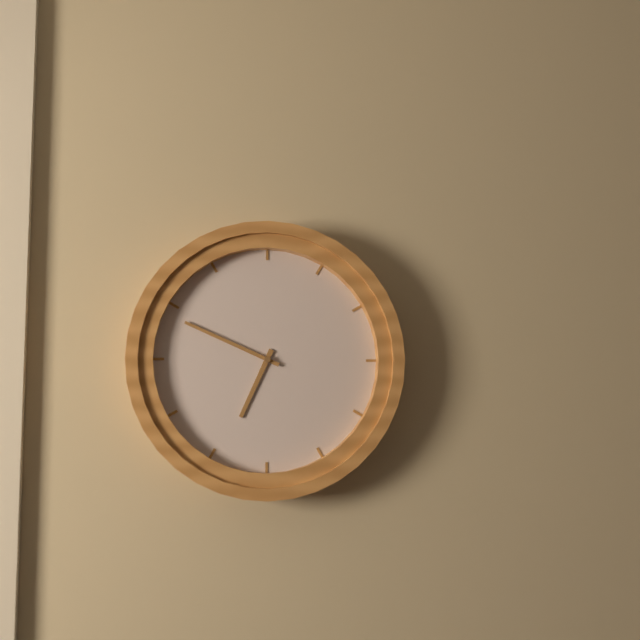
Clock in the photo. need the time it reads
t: 6:49
